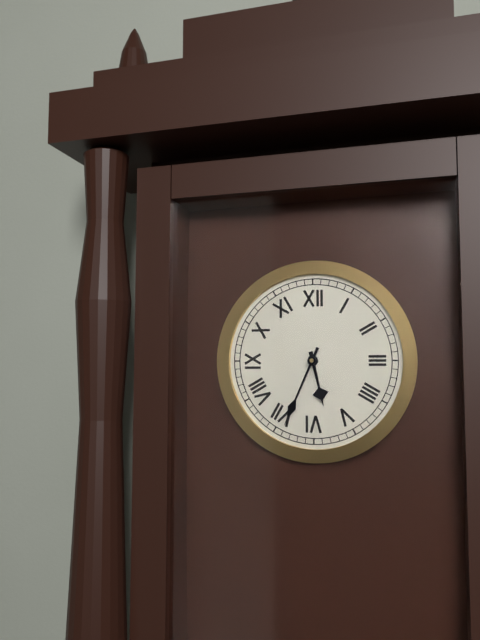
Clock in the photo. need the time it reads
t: 5:34
